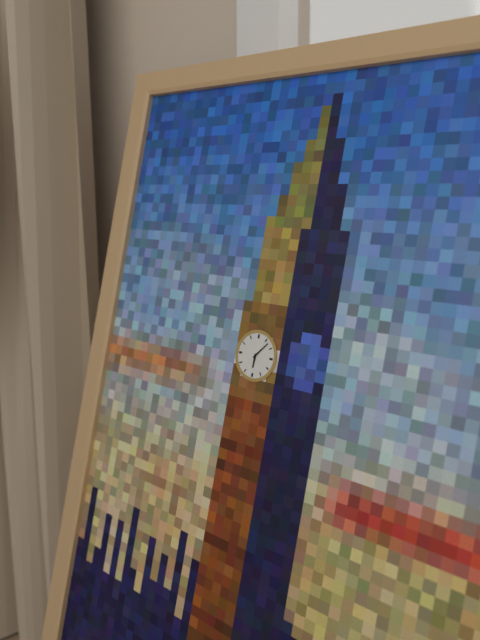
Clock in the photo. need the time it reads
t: 6:07
